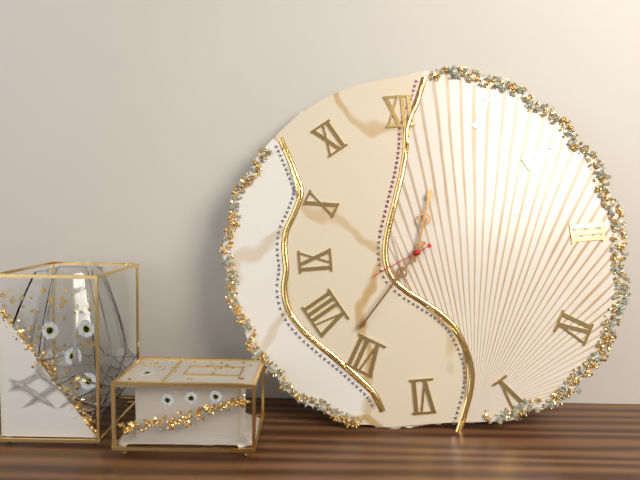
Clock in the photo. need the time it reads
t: 12:37:41
